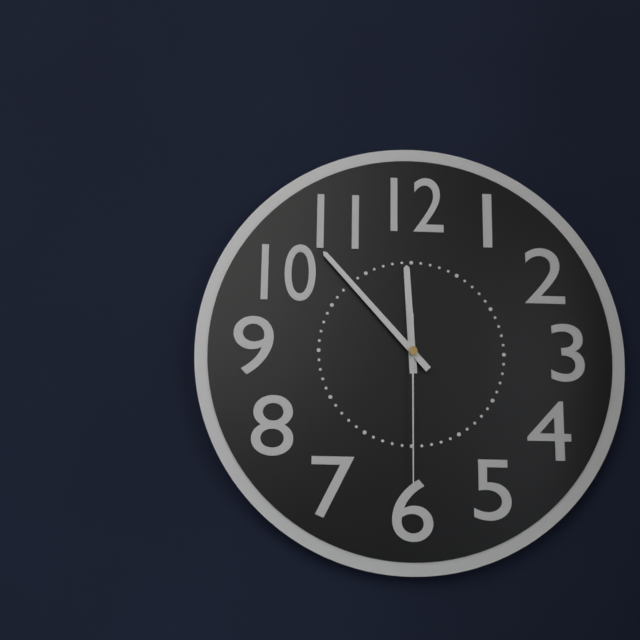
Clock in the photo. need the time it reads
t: 11:53:30
